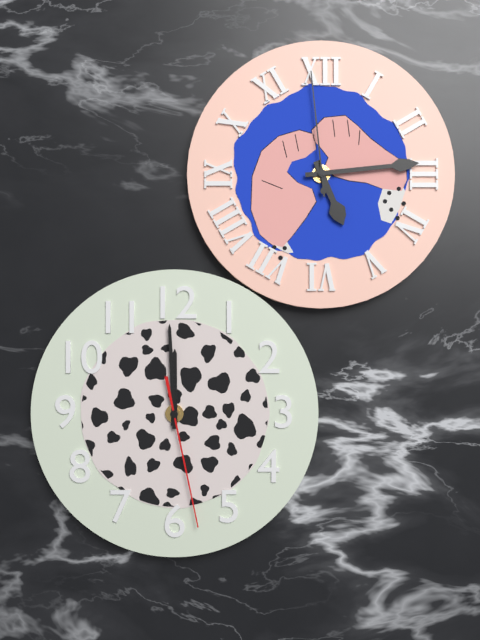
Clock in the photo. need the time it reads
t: 5:14:59
